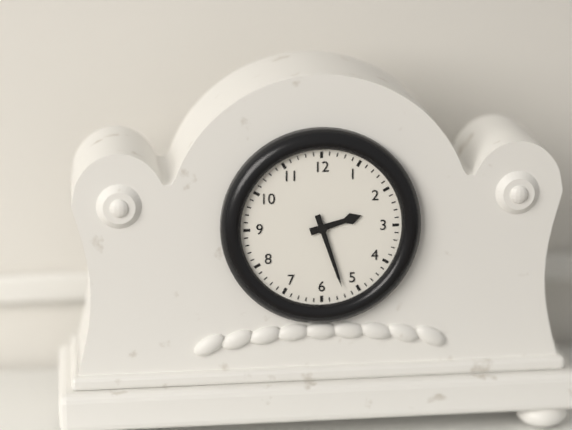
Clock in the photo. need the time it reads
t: 2:27
